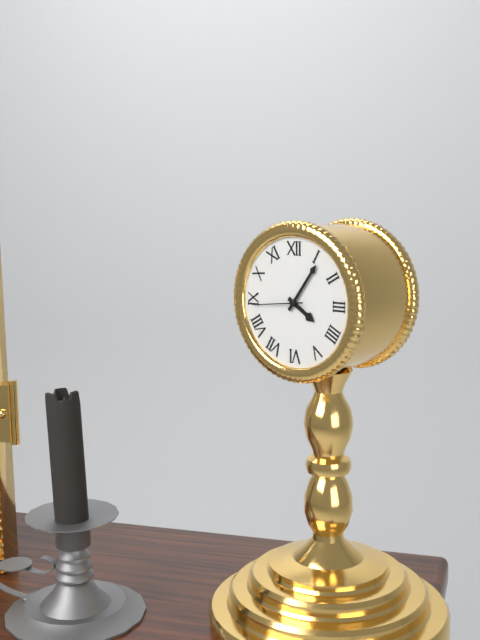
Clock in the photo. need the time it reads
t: 4:06:44
